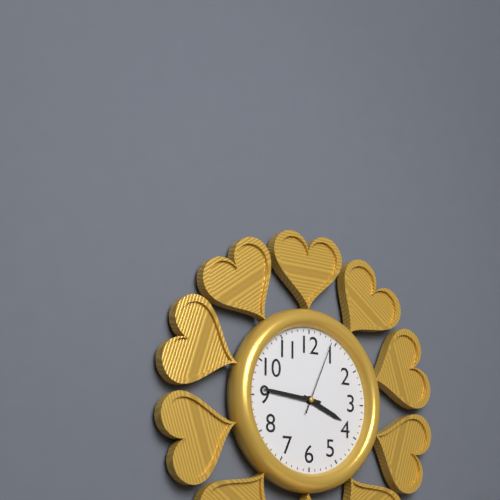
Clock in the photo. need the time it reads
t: 3:46:04
